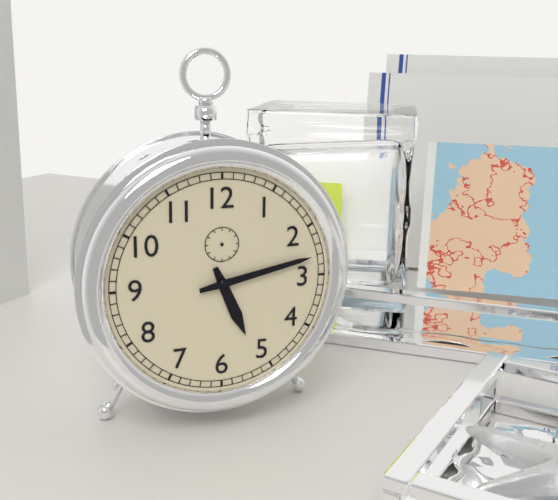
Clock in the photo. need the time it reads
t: 5:13
